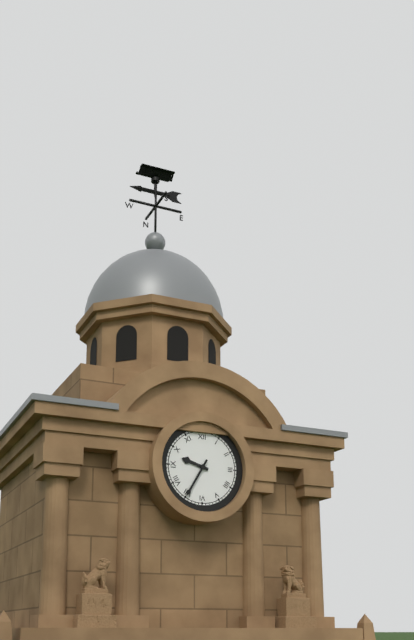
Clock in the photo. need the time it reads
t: 9:35
